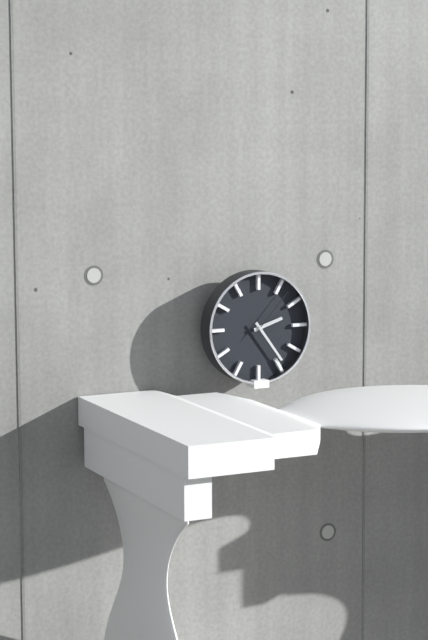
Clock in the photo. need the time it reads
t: 2:24:07
